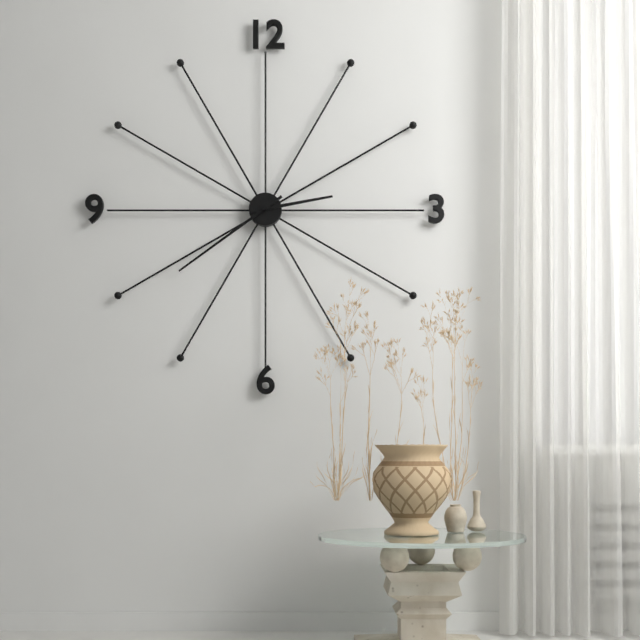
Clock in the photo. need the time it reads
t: 2:39
